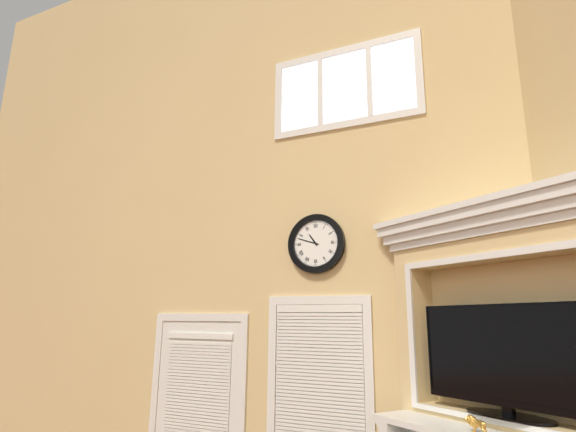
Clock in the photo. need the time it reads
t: 10:48
